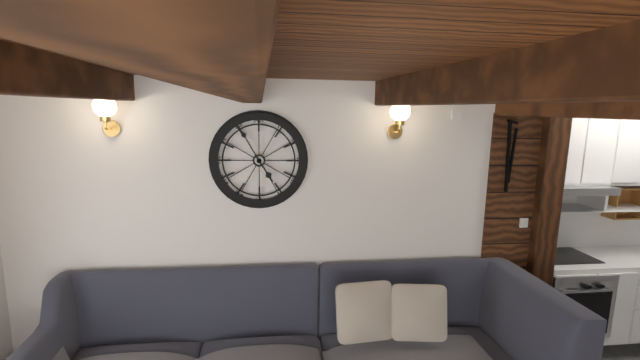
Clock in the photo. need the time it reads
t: 4:55
